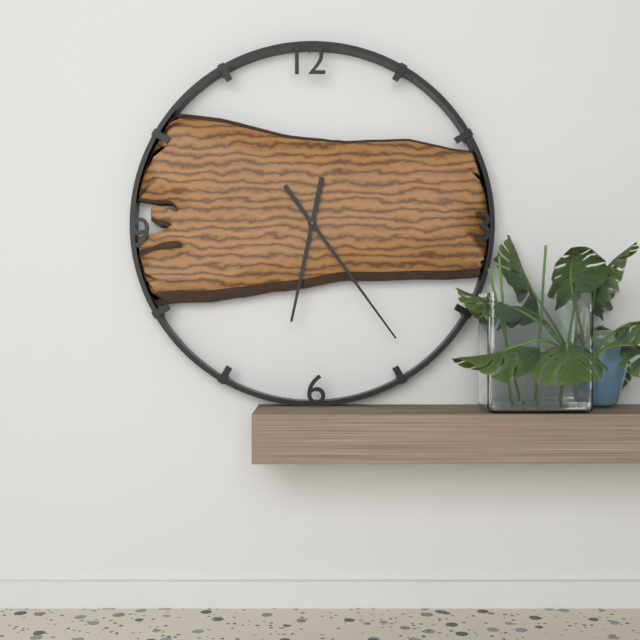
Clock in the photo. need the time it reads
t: 6:24
